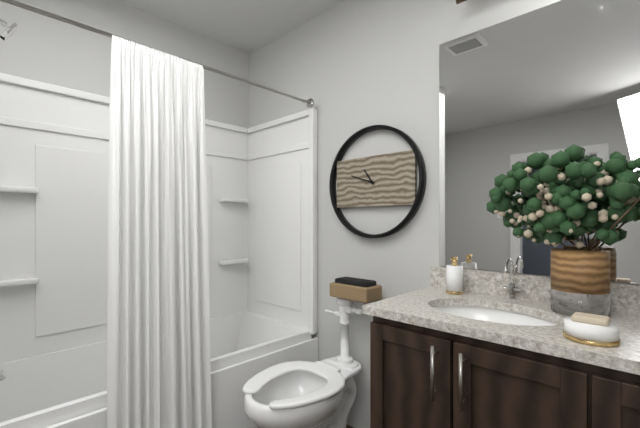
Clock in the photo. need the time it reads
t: 10:48
